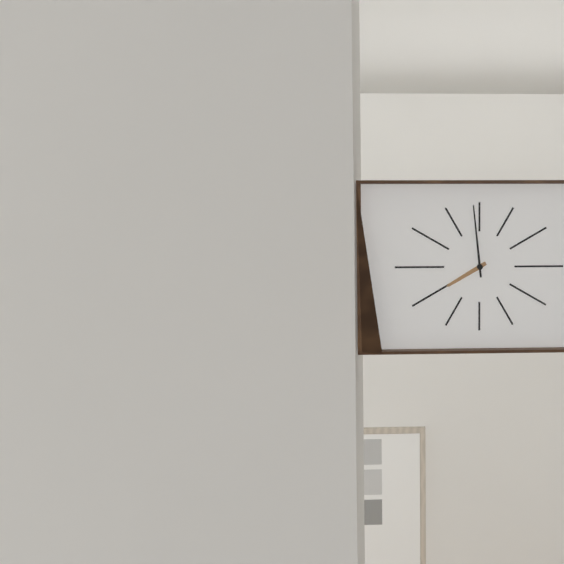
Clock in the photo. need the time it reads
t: 7:59
